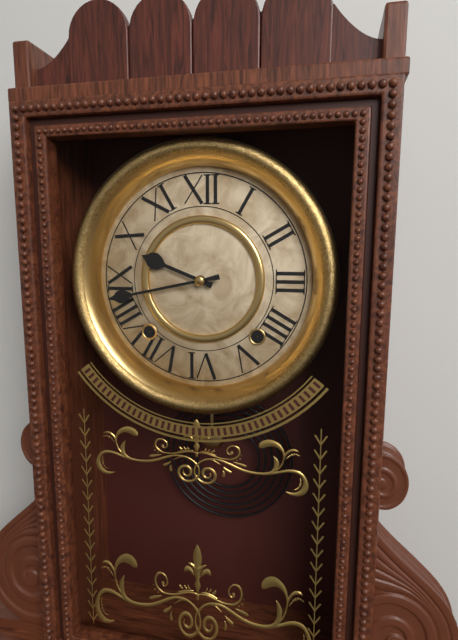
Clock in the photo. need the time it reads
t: 9:43
